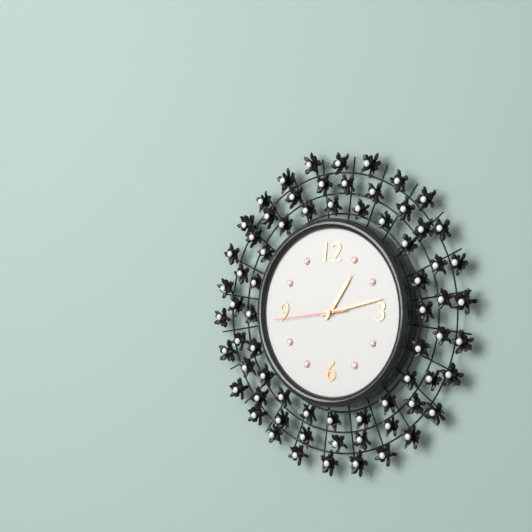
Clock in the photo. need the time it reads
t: 1:13:44
